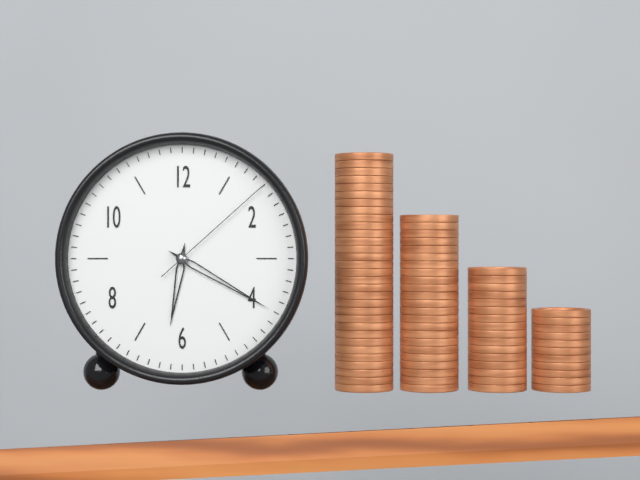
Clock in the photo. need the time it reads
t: 6:20:08
